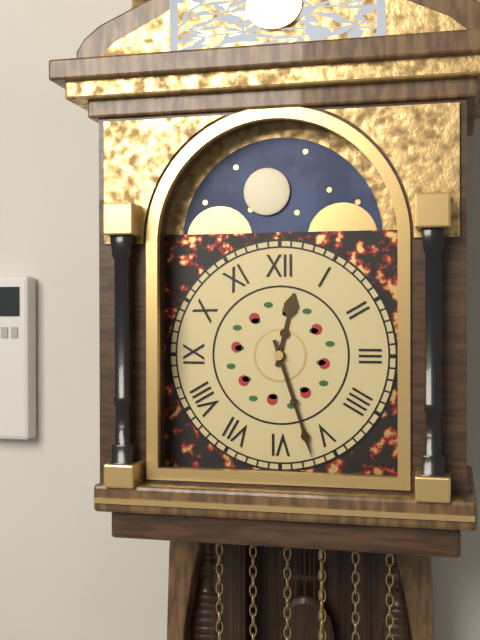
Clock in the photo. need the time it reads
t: 12:27
